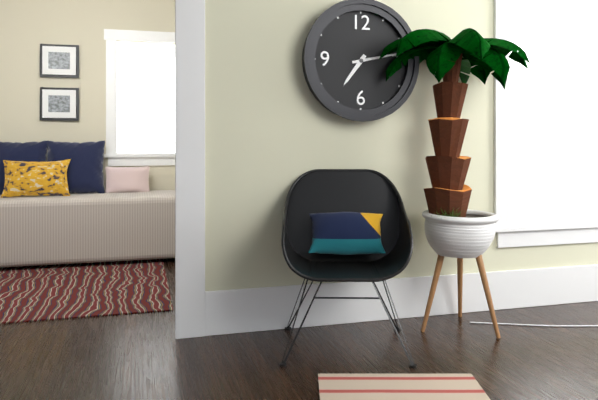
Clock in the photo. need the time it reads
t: 7:13
